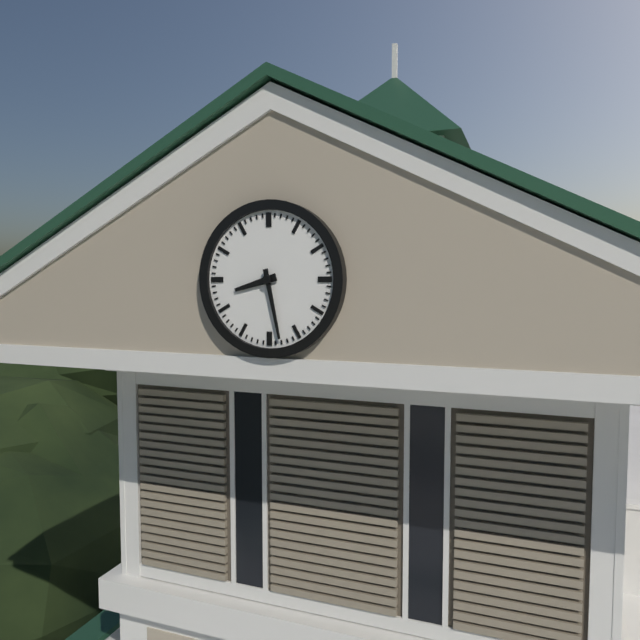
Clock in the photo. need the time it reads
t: 8:28
